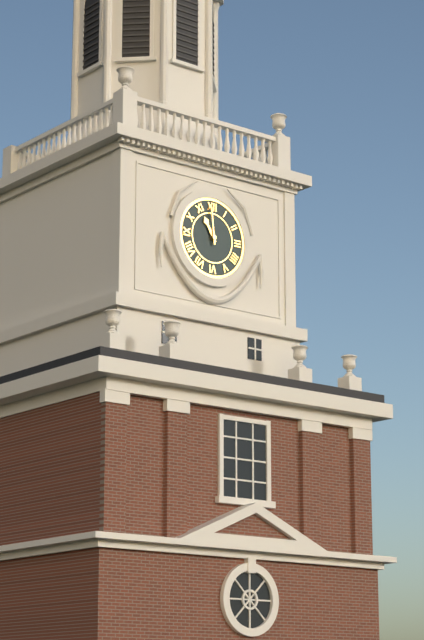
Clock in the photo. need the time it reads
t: 10:59
